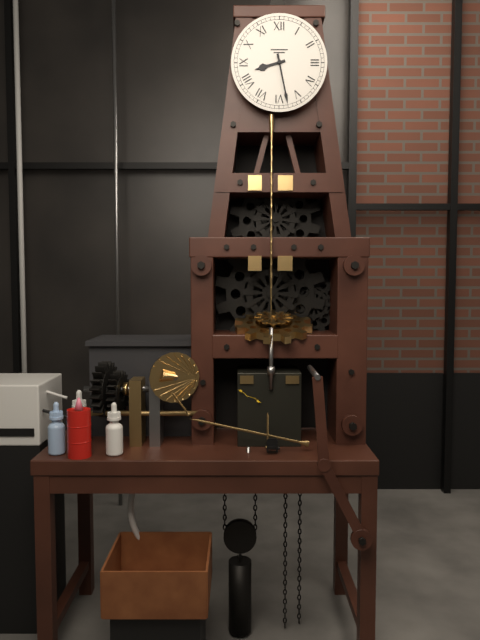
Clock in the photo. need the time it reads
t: 8:28
